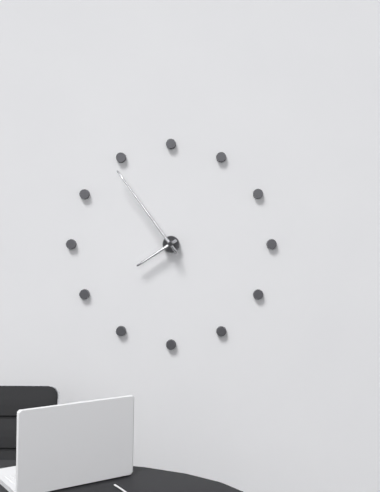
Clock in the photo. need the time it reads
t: 7:54
